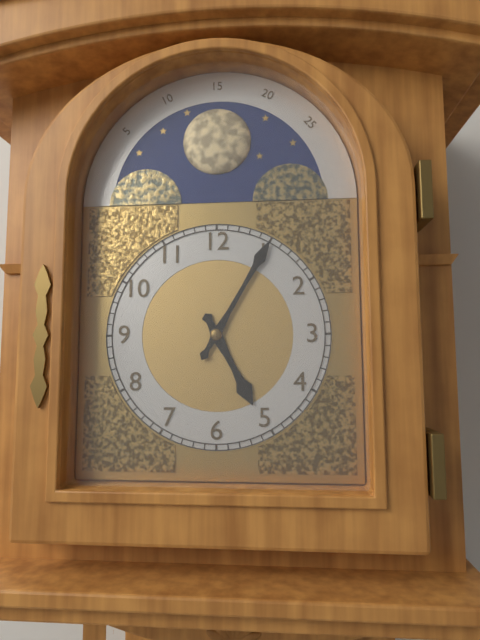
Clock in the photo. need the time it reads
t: 5:05
